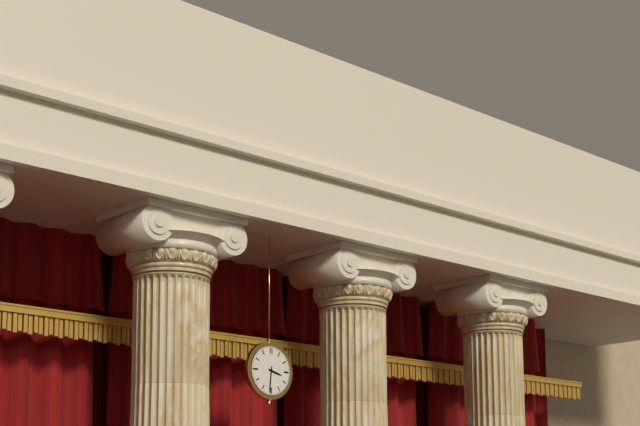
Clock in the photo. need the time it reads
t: 3:31
